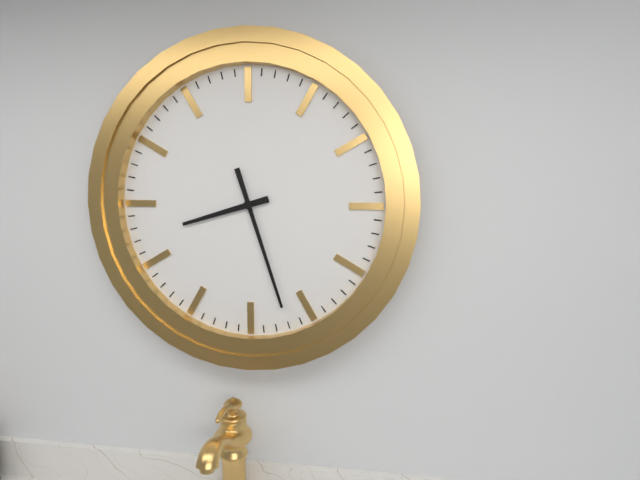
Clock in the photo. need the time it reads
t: 8:27
